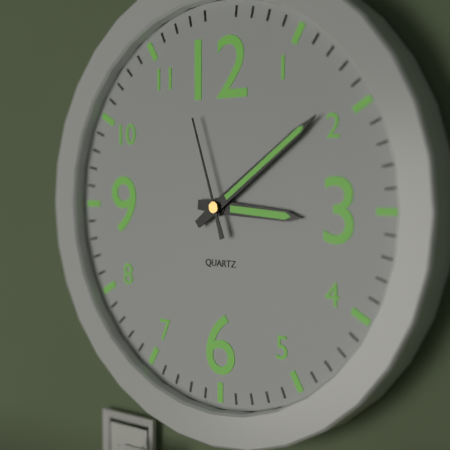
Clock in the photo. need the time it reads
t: 3:09:57
